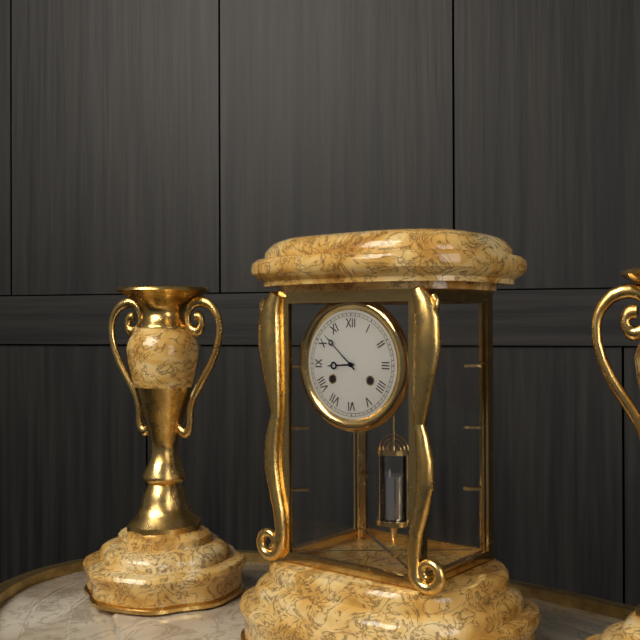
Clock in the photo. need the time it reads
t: 8:52
